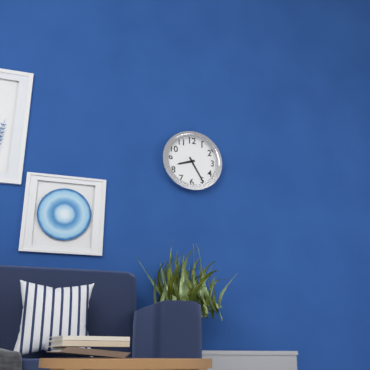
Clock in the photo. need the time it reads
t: 8:25
